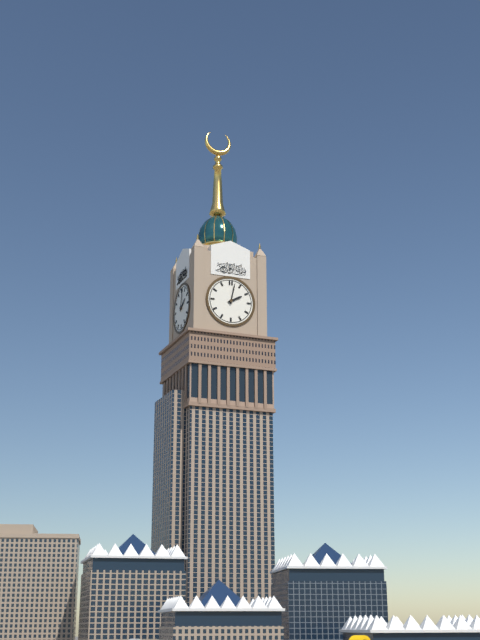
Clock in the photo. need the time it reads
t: 2:02
